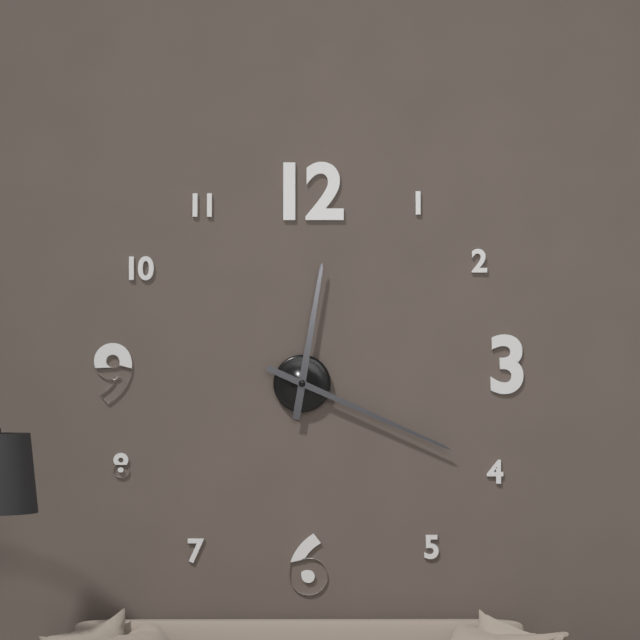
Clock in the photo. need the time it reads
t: 12:19
